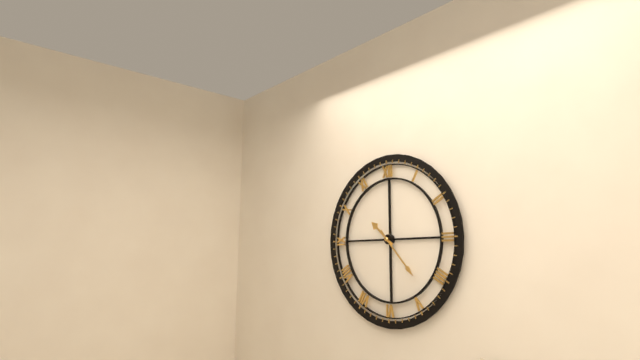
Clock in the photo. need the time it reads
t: 10:23
